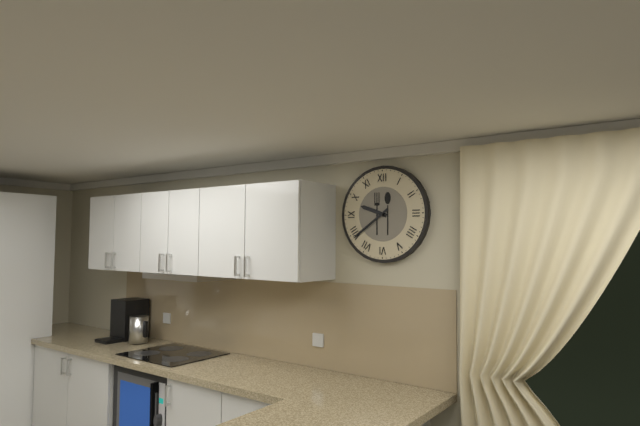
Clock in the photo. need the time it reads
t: 9:39
